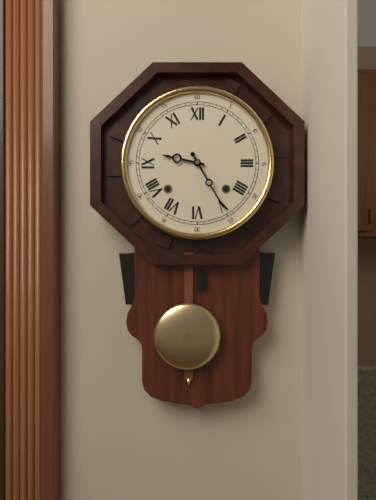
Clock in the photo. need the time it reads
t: 9:25
